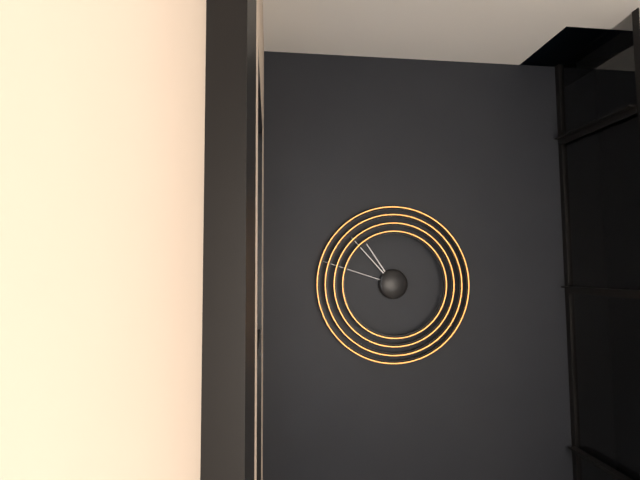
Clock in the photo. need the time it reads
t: 10:53:48
